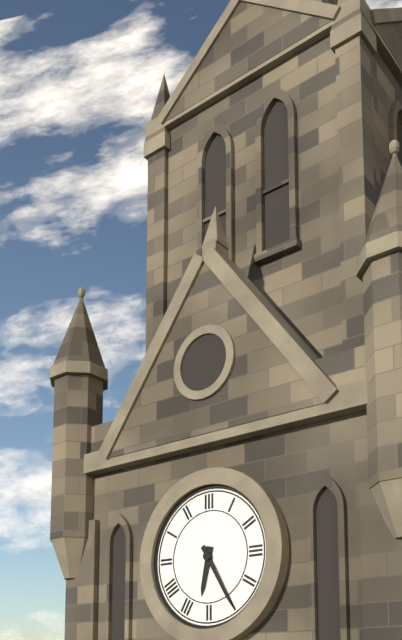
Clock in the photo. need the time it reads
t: 6:25
